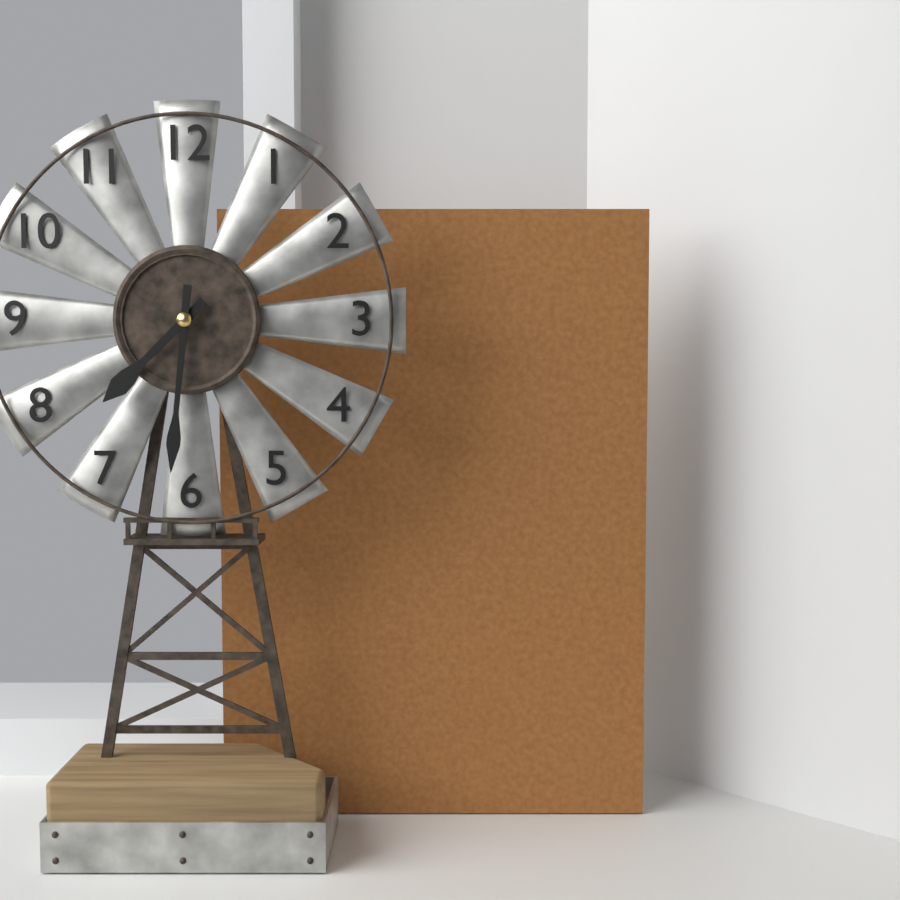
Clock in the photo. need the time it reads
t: 7:31
